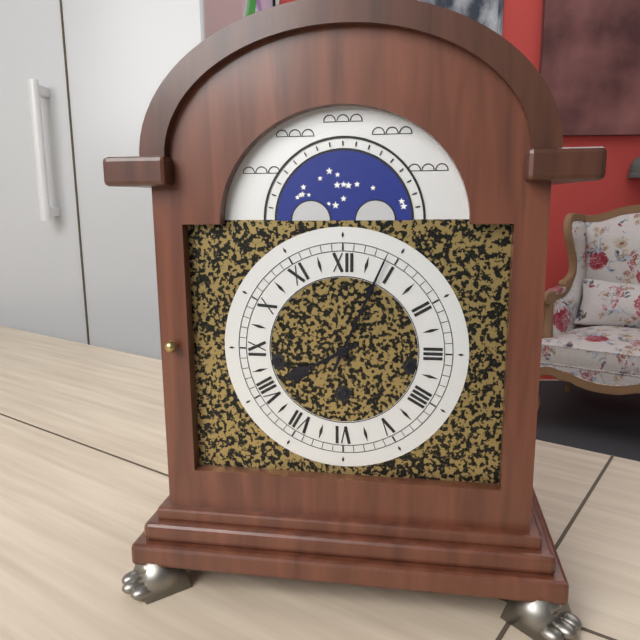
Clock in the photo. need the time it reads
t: 8:04
